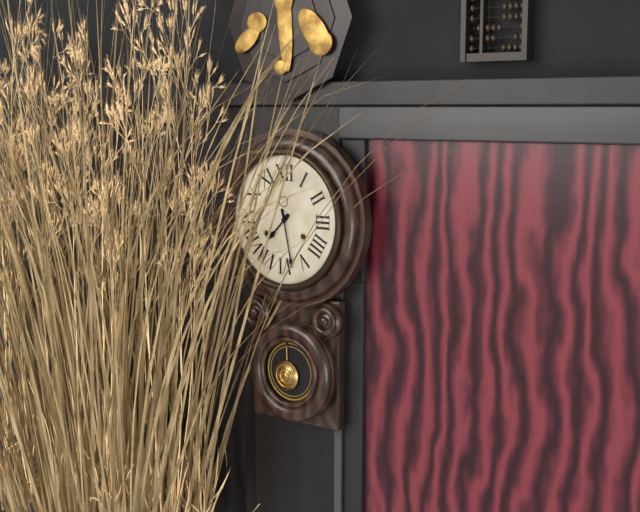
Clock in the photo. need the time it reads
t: 7:28
